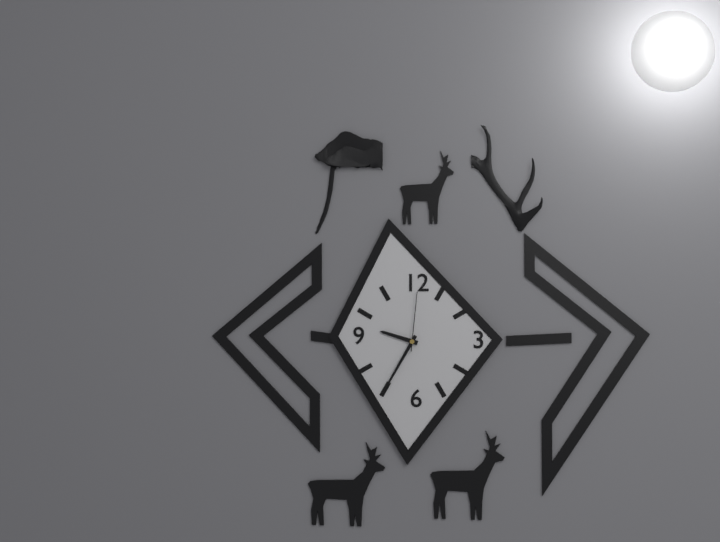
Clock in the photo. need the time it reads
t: 9:35:01
